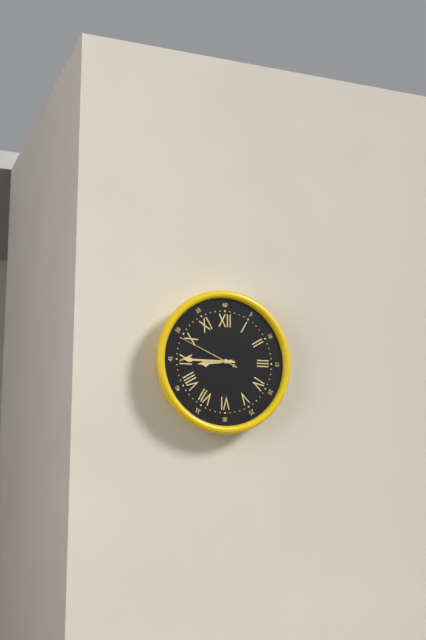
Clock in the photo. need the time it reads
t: 8:45:49
